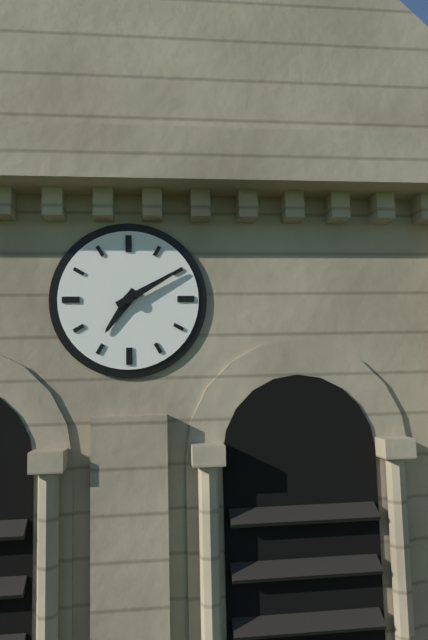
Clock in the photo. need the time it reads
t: 7:10
